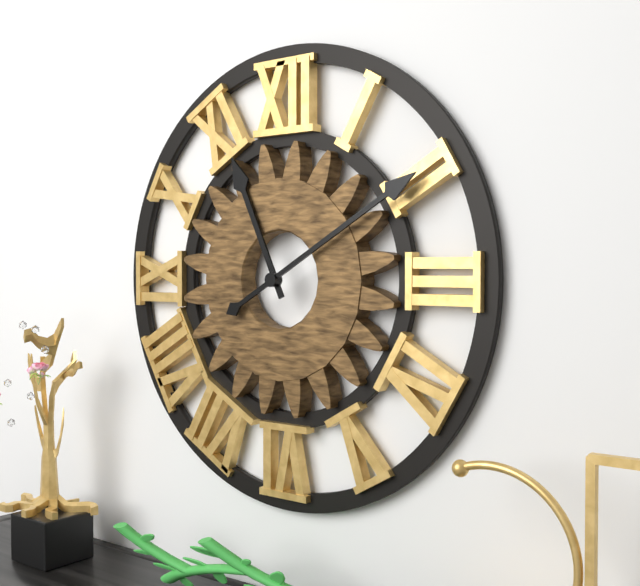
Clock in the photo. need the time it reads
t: 11:10
